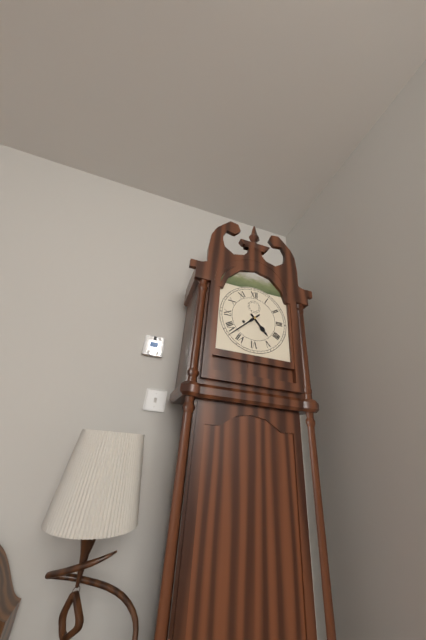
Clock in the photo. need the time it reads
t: 4:38
